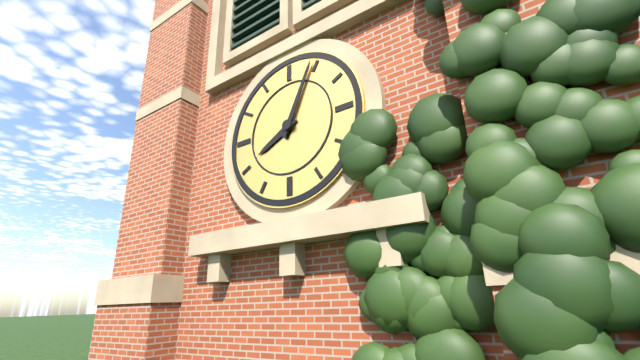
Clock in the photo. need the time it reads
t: 8:04
